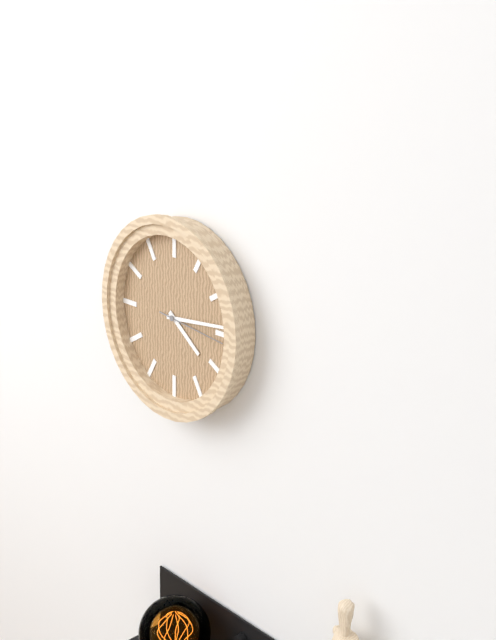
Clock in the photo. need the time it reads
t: 4:14:16
